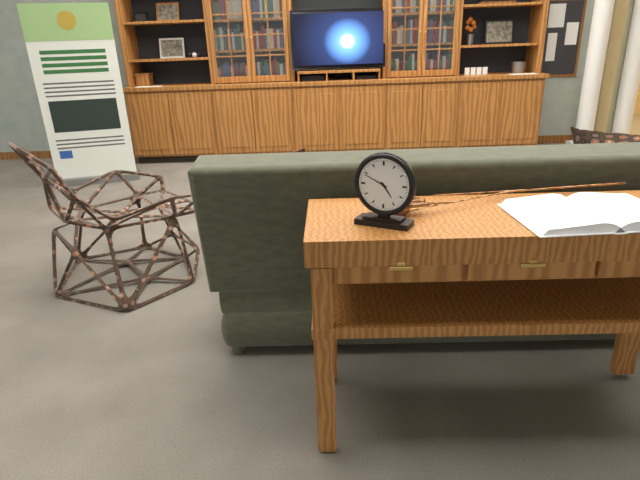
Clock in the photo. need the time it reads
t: 4:49
